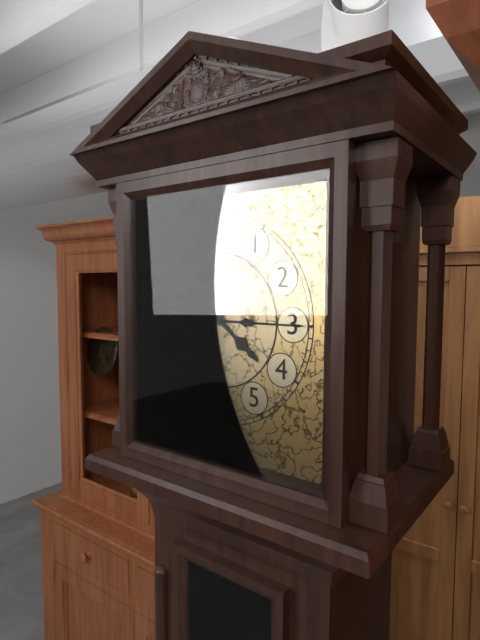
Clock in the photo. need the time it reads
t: 4:15
